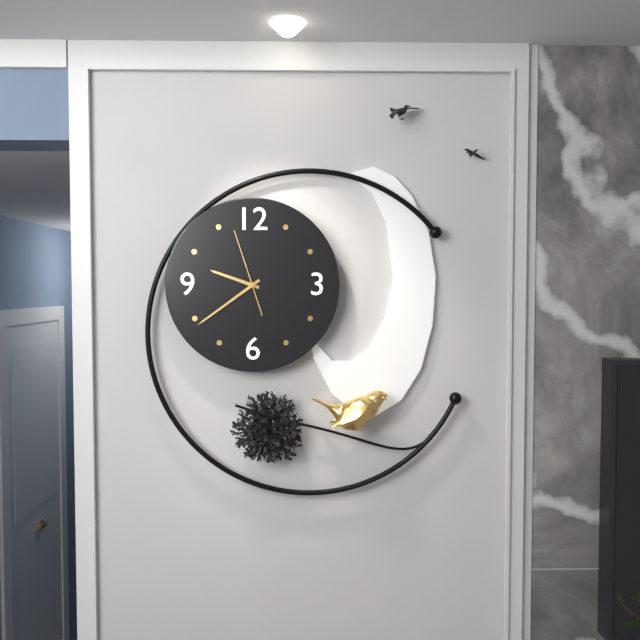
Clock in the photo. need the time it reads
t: 9:39:57
